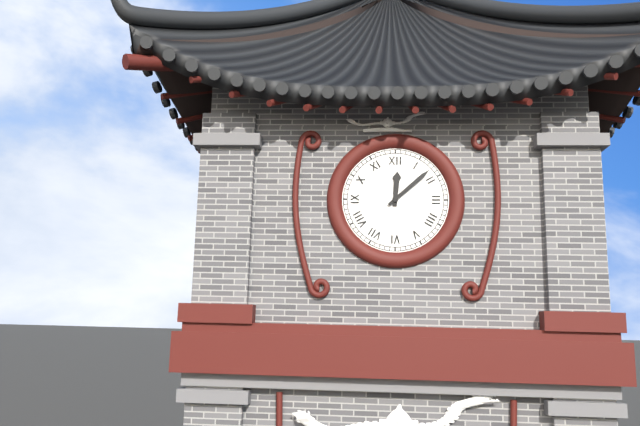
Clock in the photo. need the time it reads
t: 12:08
